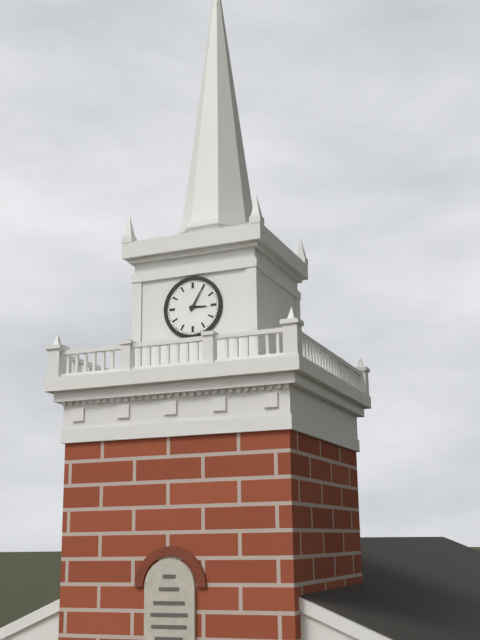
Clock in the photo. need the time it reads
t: 3:05
